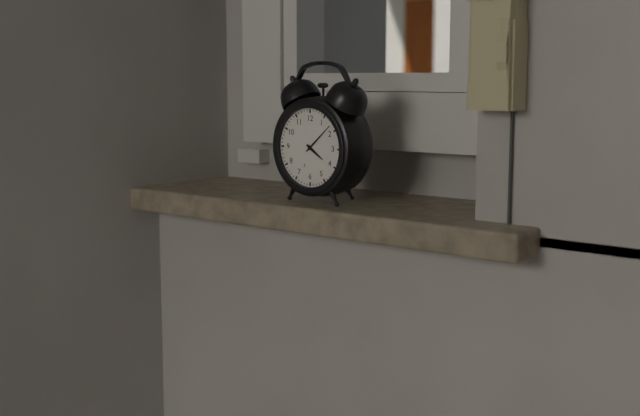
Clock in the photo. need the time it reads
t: 4:08
